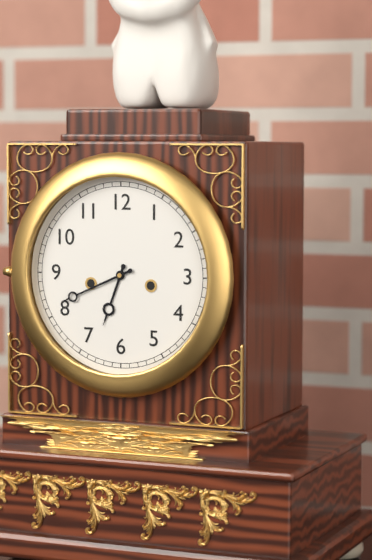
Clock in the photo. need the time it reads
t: 6:41
